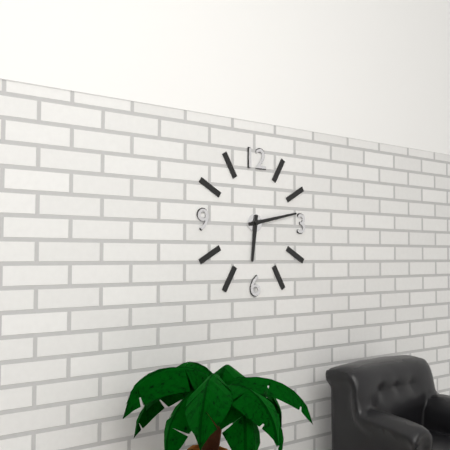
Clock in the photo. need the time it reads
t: 6:13
